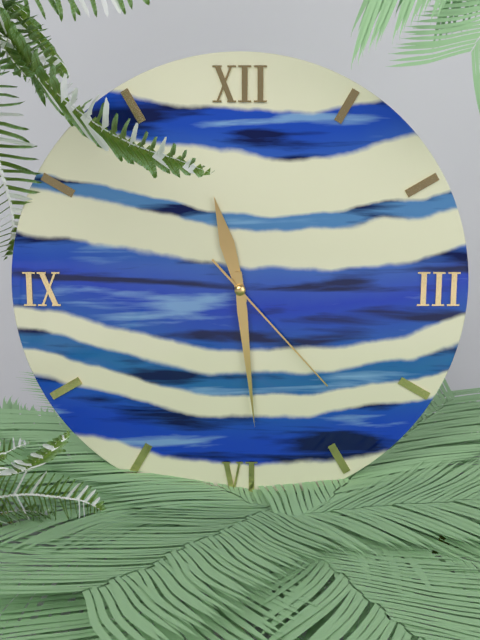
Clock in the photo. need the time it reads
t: 11:29:23
